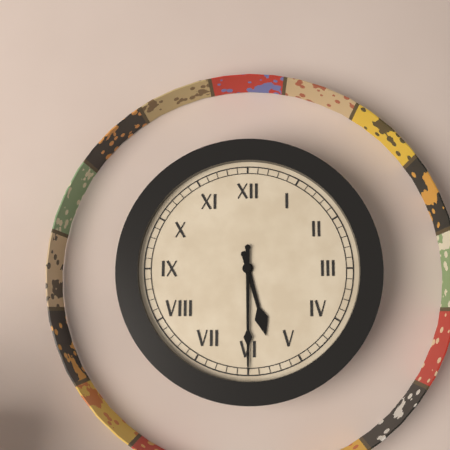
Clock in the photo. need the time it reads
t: 5:30
